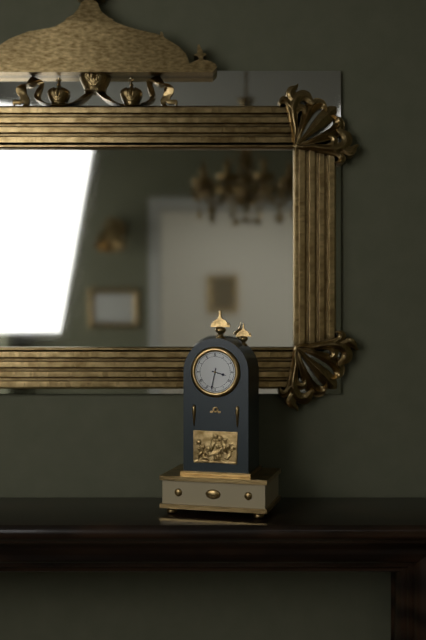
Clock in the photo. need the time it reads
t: 3:32
